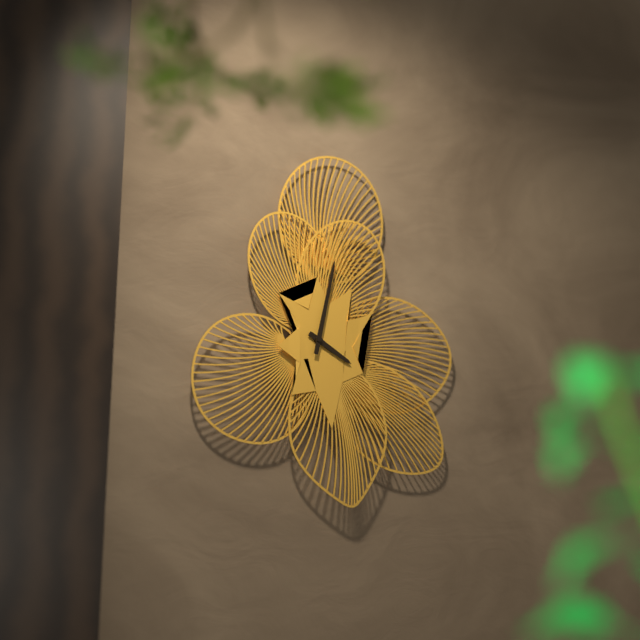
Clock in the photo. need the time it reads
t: 4:02
